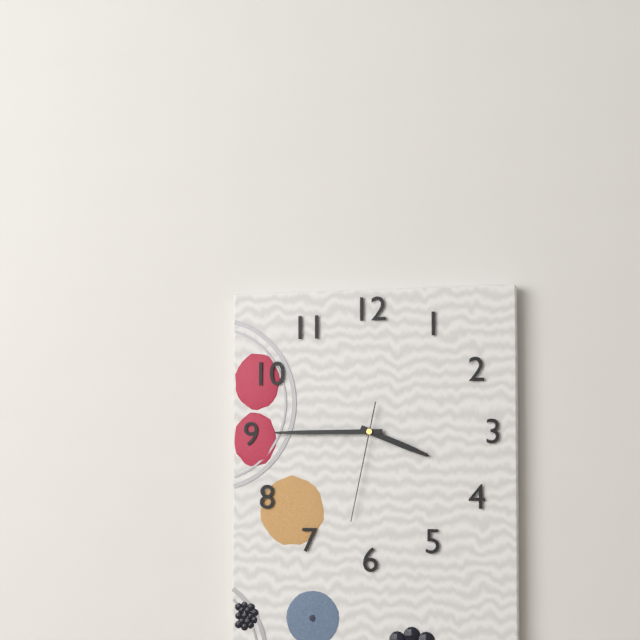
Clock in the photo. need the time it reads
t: 3:45:32
